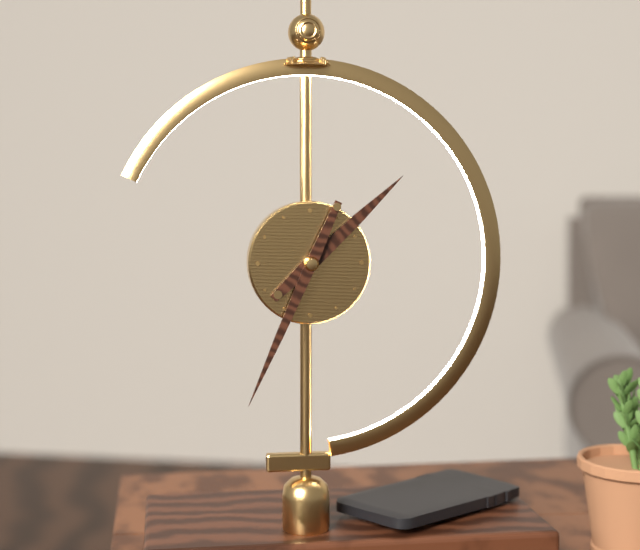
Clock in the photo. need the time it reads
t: 1:34
